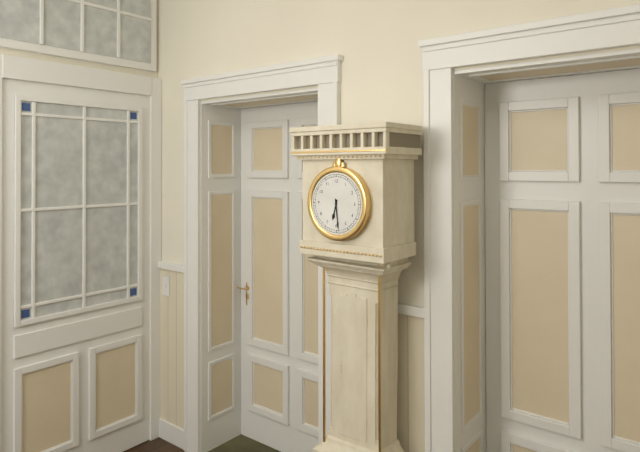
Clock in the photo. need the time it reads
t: 6:29
